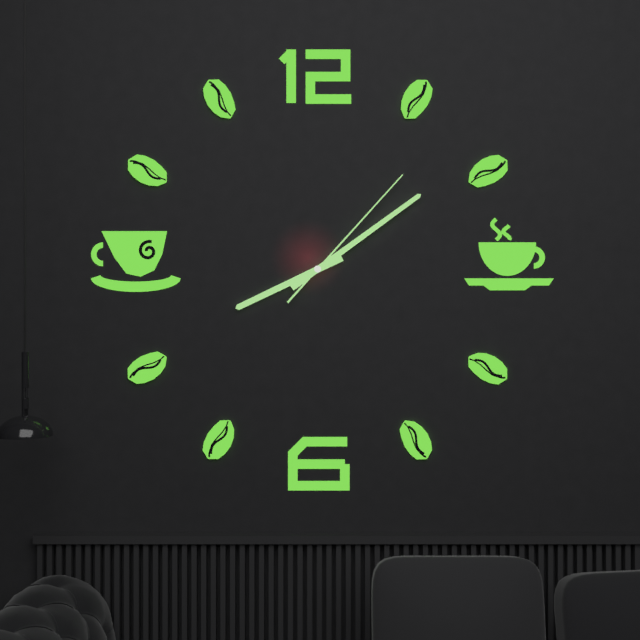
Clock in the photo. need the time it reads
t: 8:09:07
